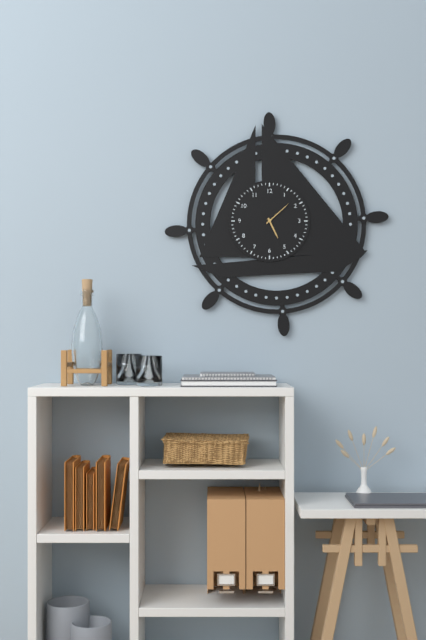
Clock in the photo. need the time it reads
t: 5:08
